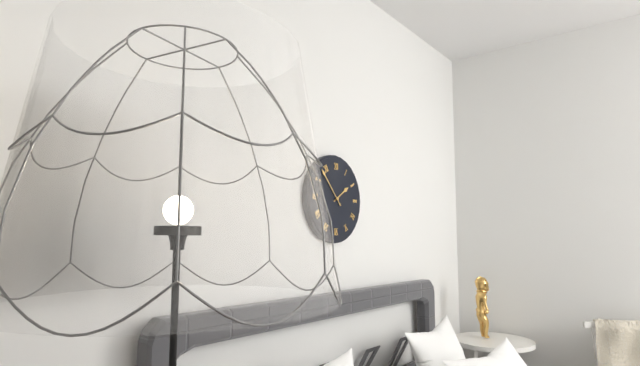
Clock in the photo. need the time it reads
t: 1:53
